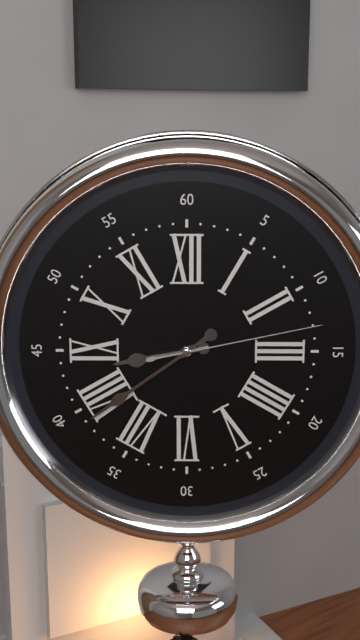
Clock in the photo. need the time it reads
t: 8:39:13
